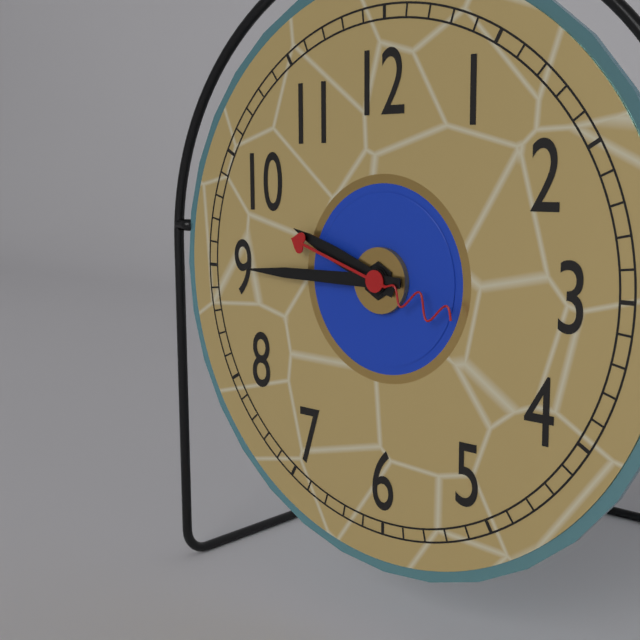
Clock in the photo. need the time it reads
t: 9:45:48
